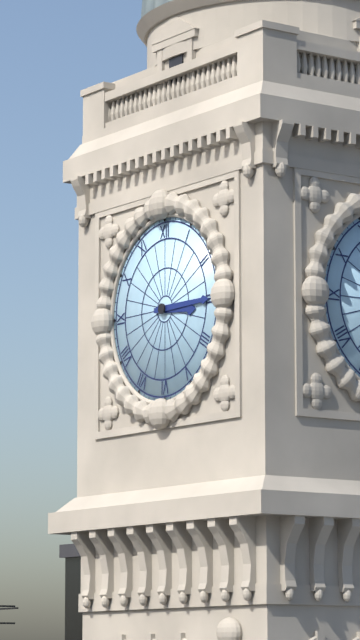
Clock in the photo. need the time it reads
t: 3:15
